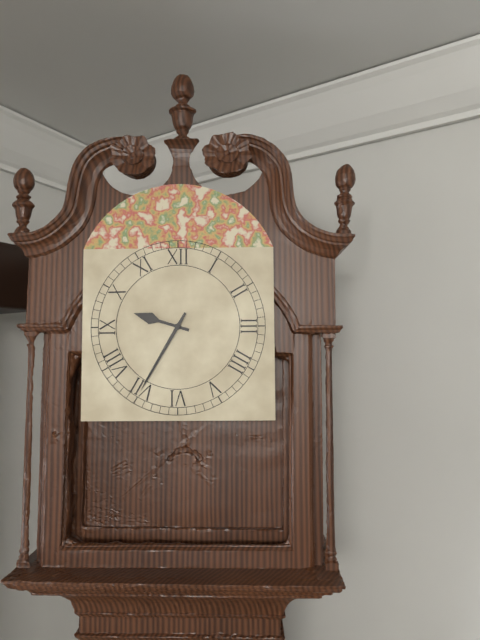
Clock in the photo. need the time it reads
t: 9:35
